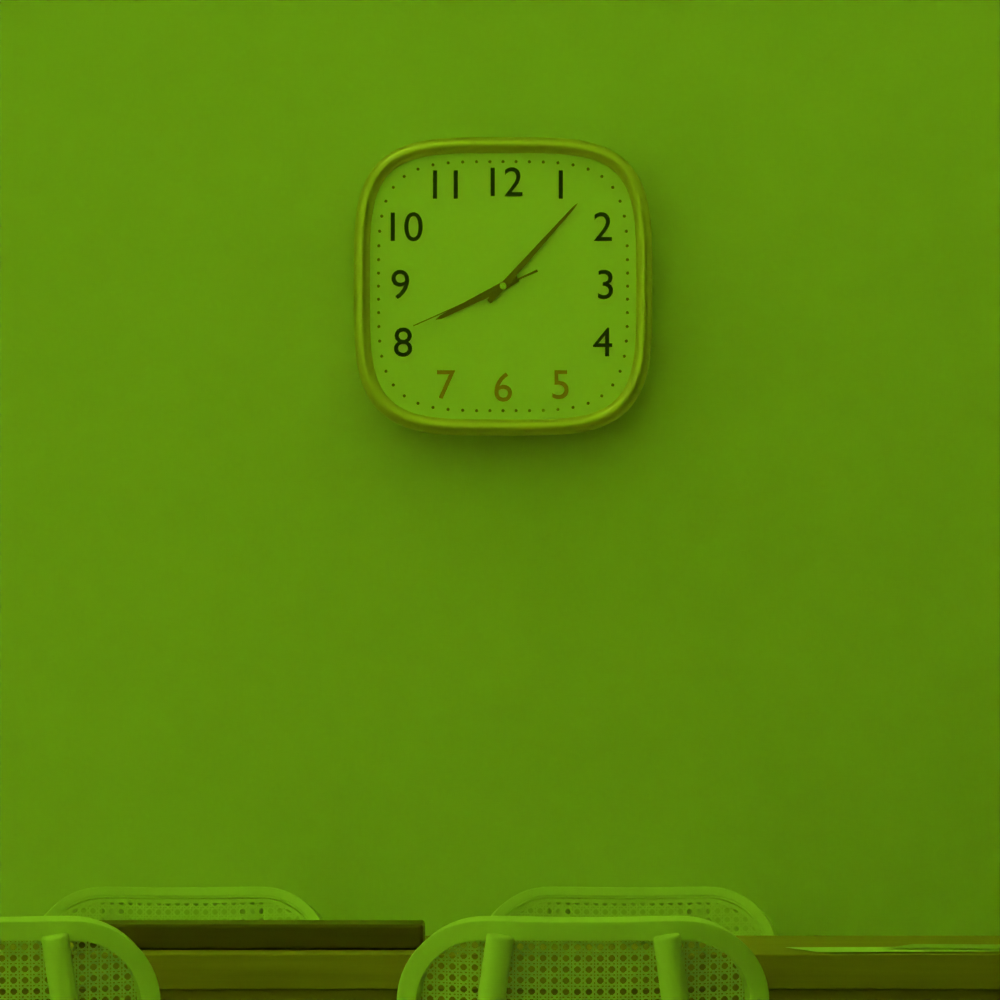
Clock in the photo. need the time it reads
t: 8:07:41
